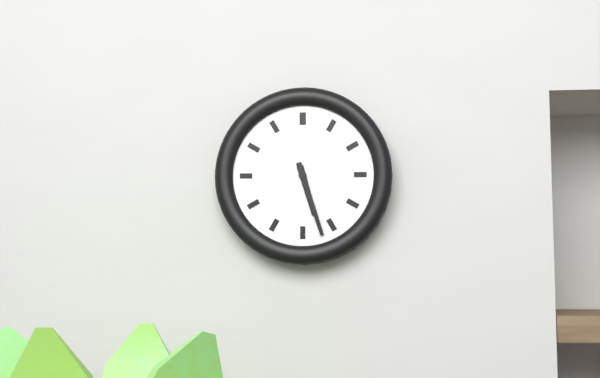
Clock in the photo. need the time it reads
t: 5:27
